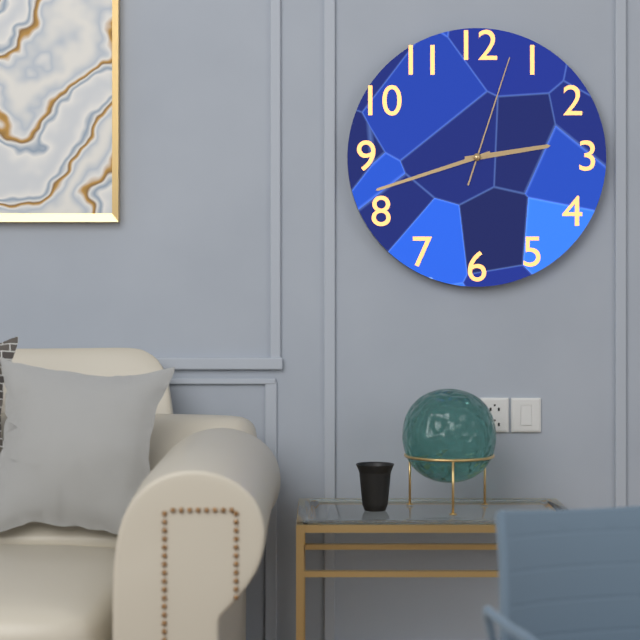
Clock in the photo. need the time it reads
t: 2:42:03
